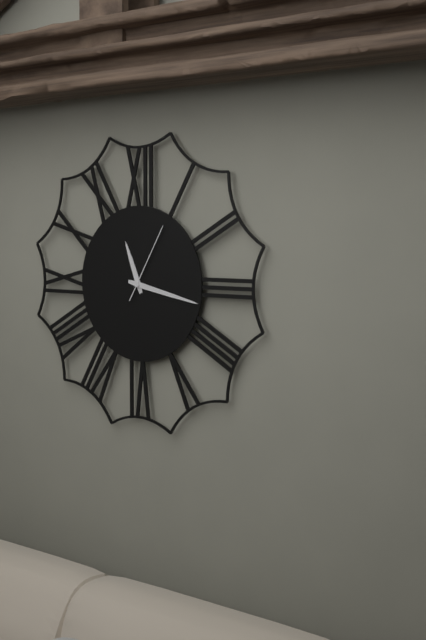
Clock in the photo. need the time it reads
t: 11:17:05
